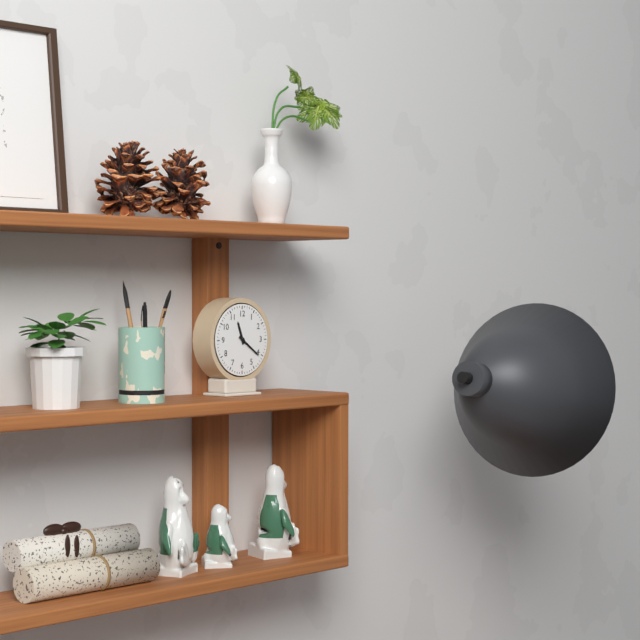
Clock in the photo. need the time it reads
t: 11:21
